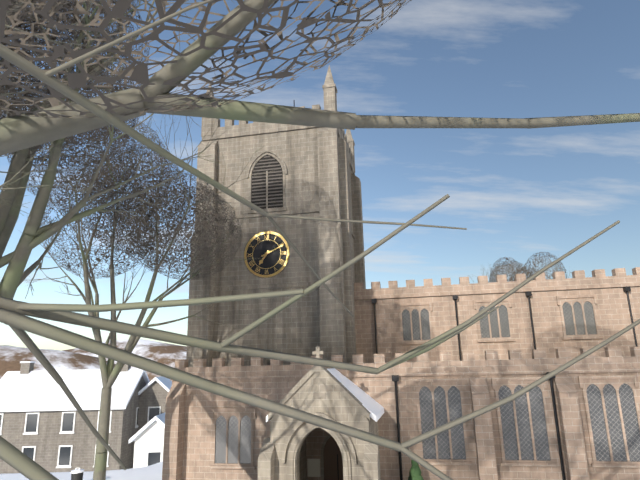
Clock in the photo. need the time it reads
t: 7:11
